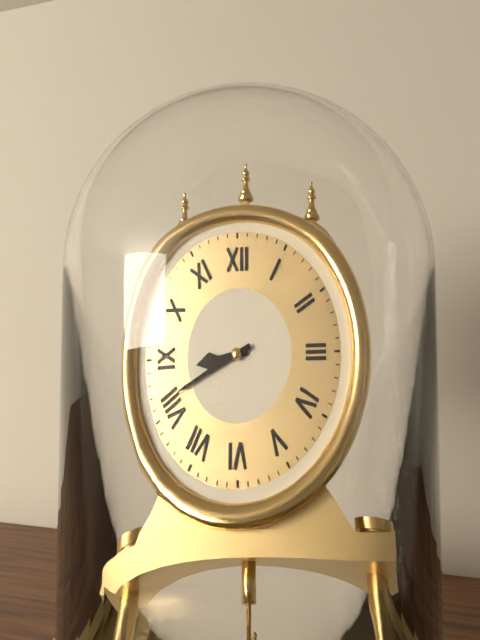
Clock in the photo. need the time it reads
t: 8:41
